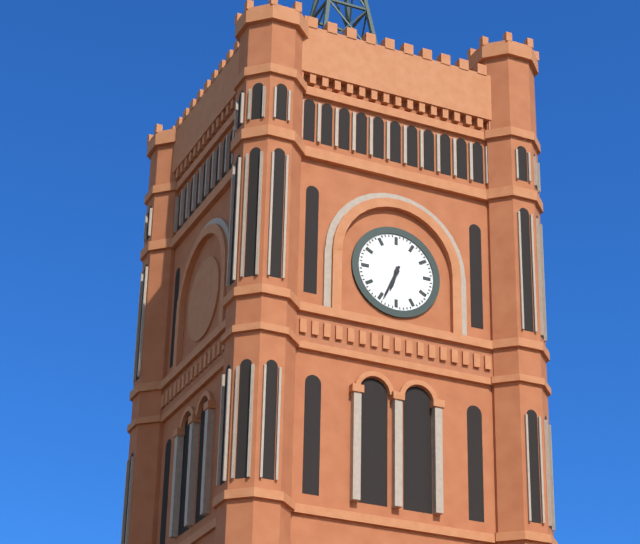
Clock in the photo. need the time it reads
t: 6:34
